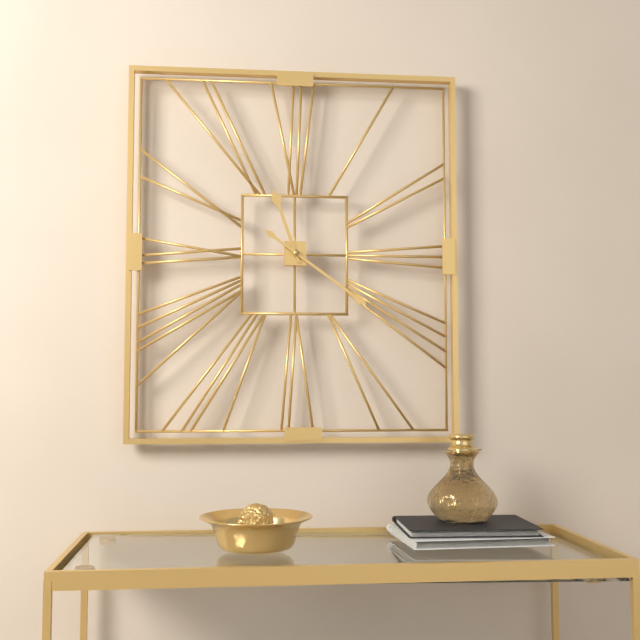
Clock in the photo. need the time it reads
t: 11:21
